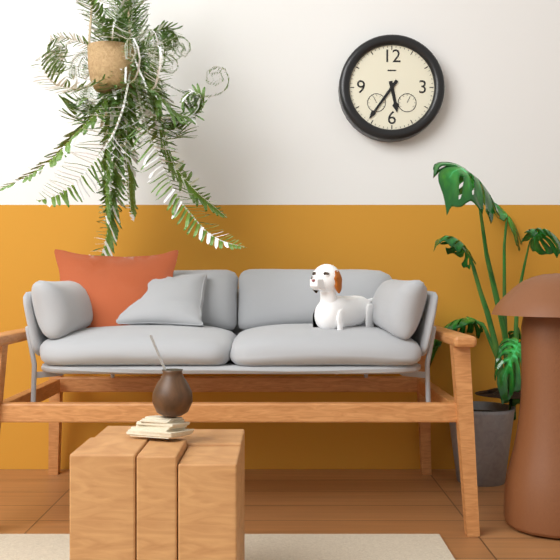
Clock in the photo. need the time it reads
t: 5:36
